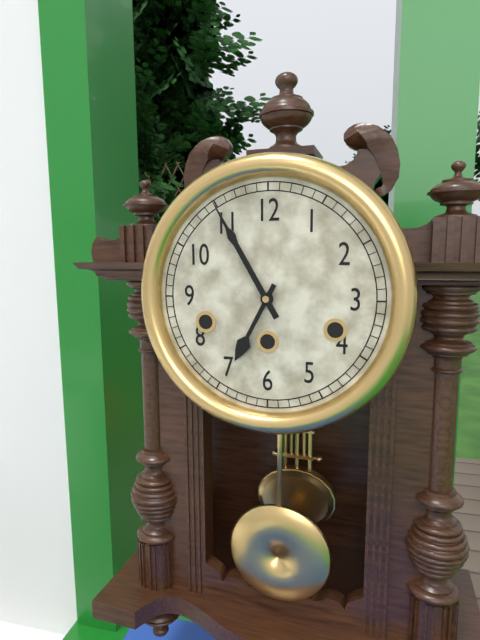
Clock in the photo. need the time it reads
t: 6:55
